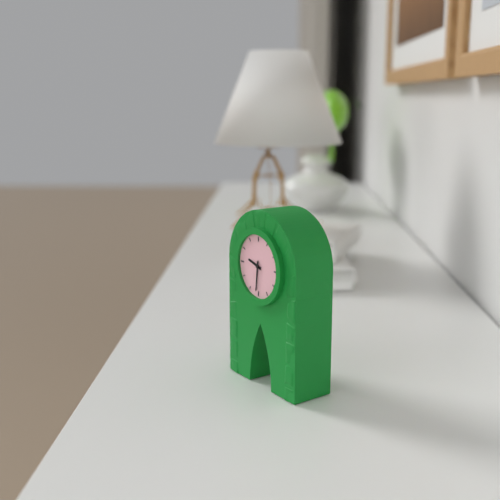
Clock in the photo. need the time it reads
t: 9:31
